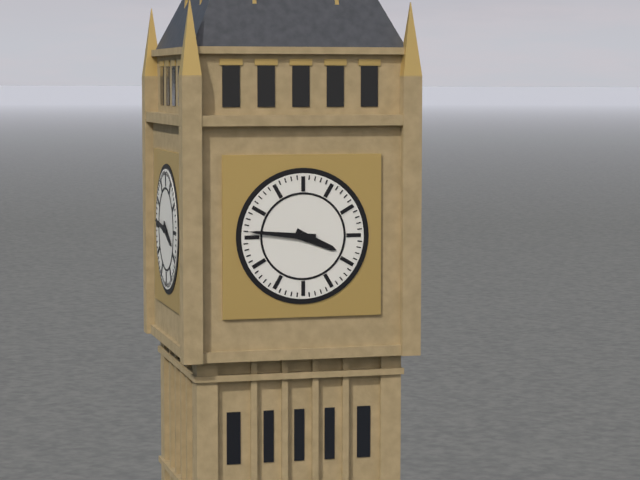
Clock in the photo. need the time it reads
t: 3:46
